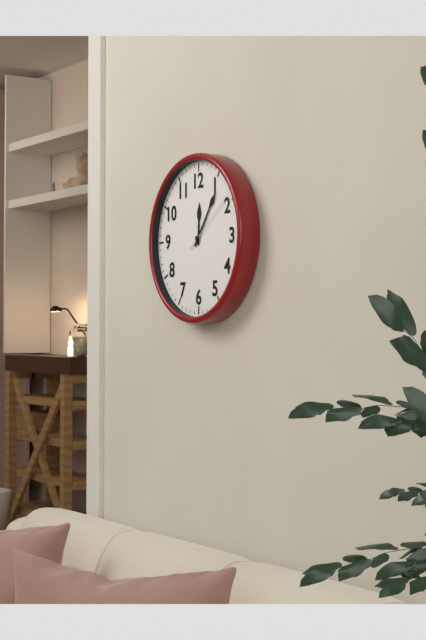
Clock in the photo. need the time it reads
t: 12:06:09
